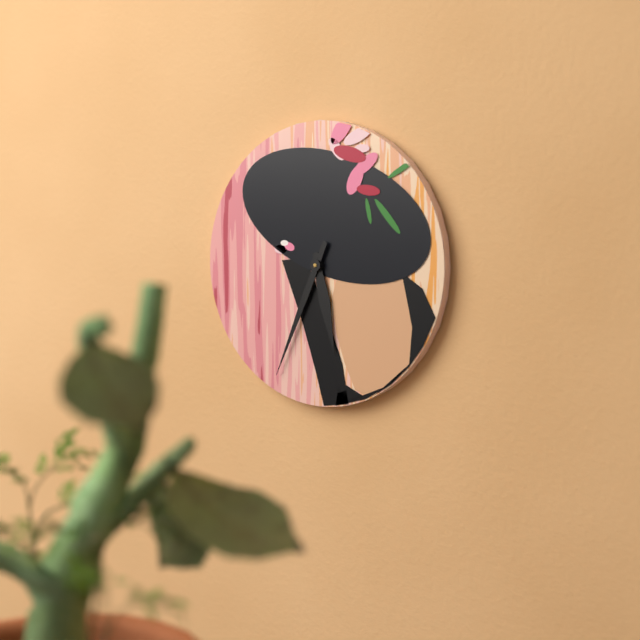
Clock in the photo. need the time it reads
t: 5:34
